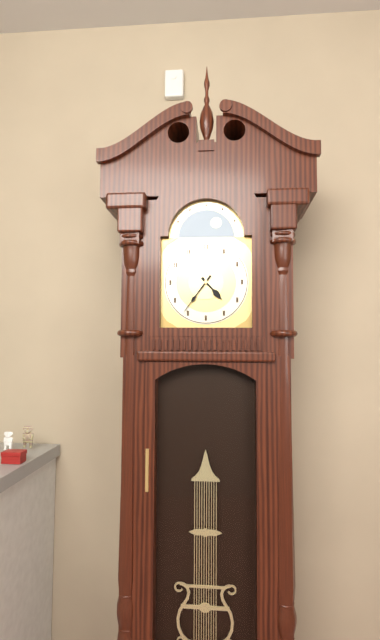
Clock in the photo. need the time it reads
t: 4:36
